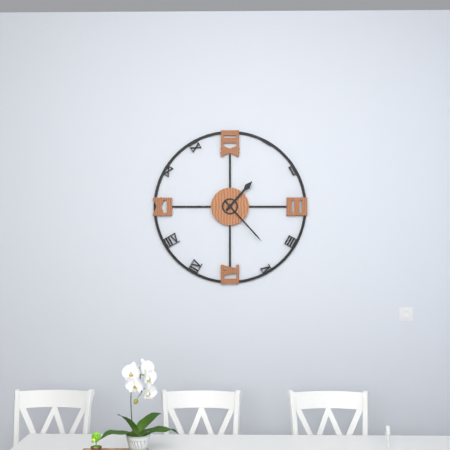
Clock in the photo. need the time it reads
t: 1:23
